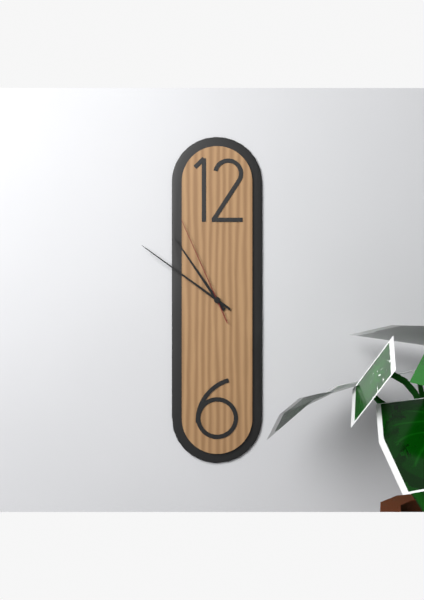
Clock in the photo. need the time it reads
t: 10:51:56
